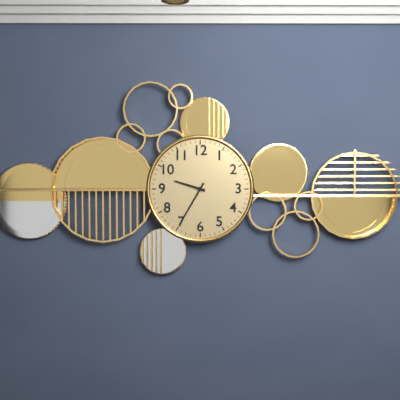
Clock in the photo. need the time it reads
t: 9:35
